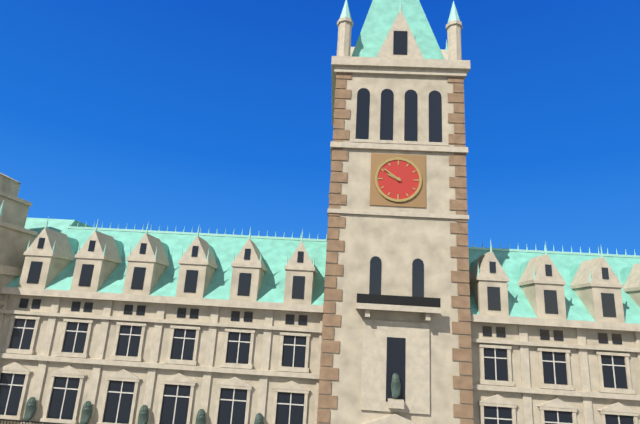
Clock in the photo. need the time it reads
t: 9:51
